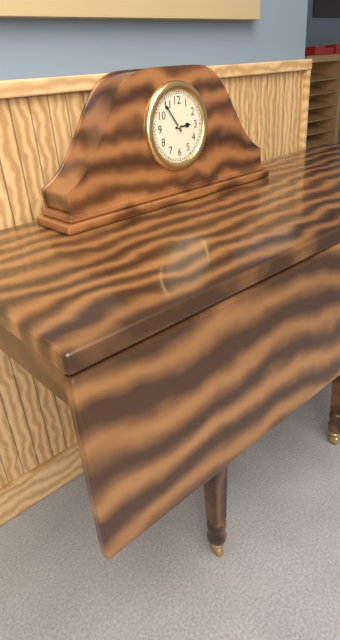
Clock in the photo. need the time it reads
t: 2:54
